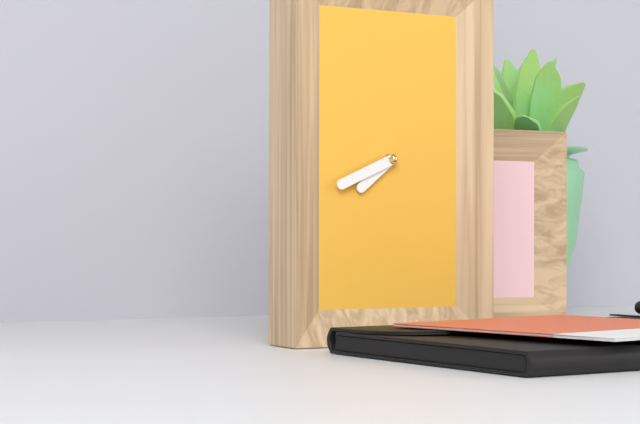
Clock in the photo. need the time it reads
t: 7:41
